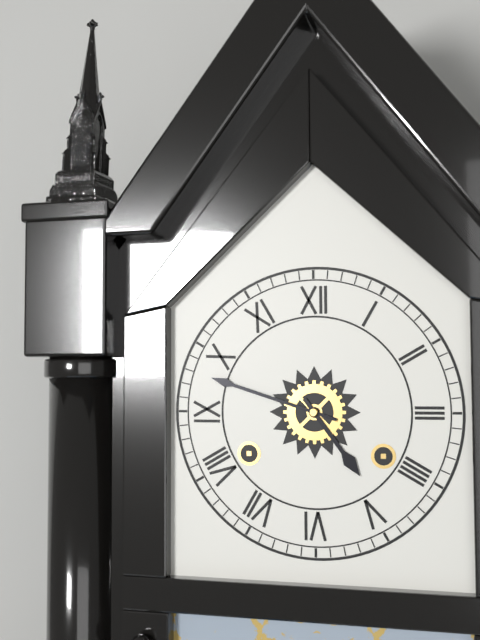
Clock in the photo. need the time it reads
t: 4:48
